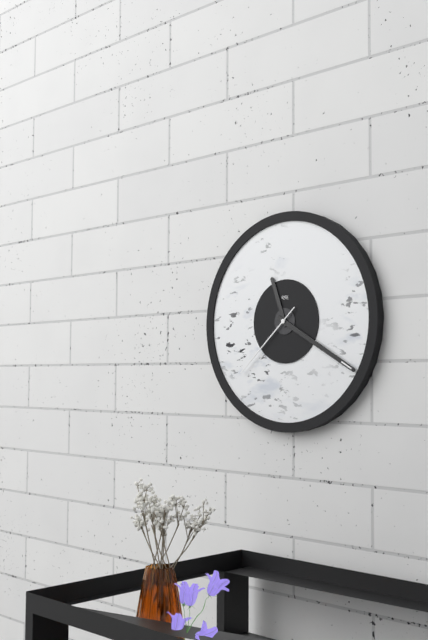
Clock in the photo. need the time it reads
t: 11:20:38
